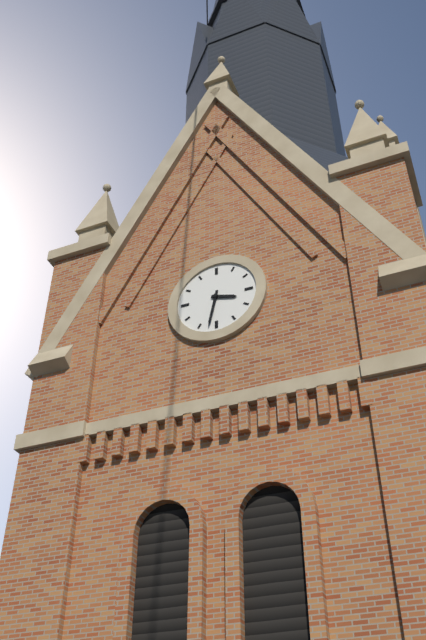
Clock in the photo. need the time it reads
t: 3:32
